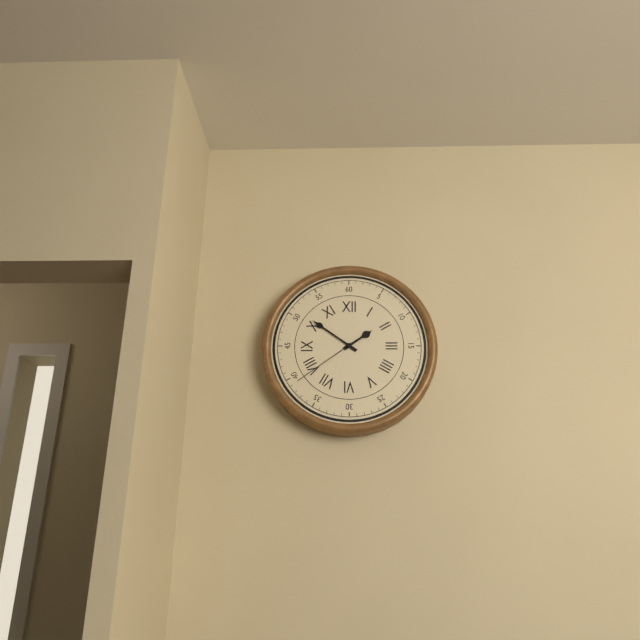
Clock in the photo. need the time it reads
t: 1:51:39
